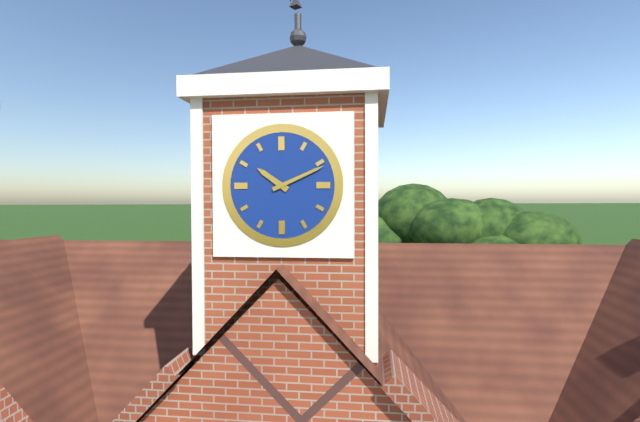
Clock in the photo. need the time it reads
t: 10:11
